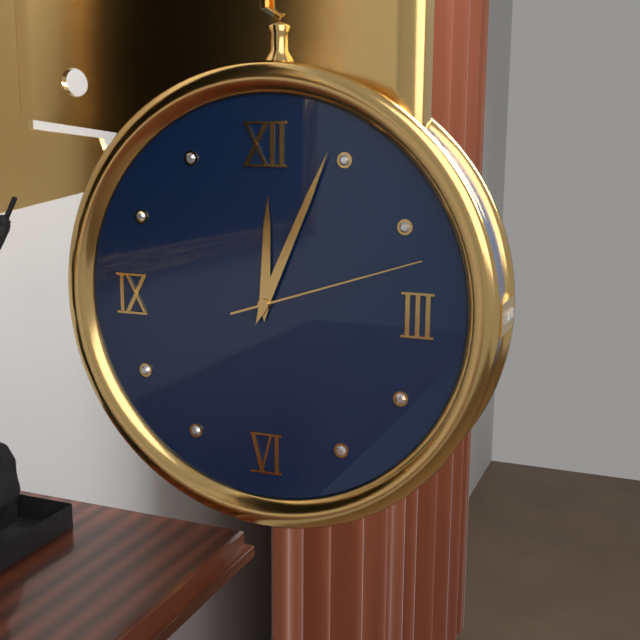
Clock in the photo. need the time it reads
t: 12:04:12
